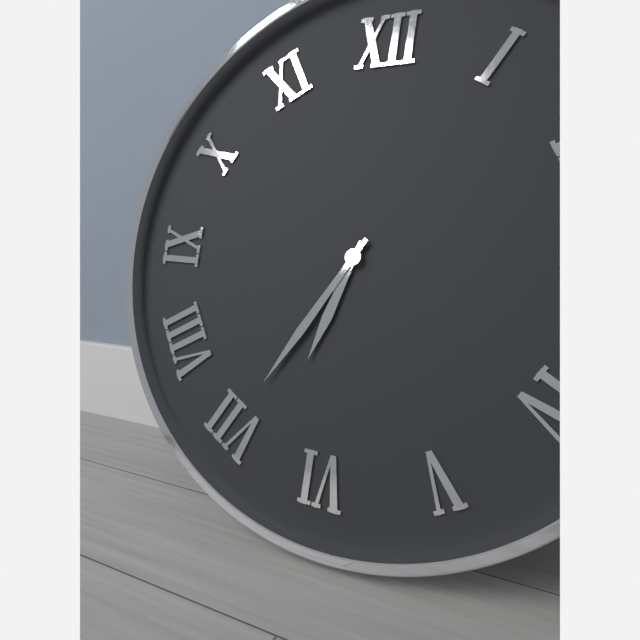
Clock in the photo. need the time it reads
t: 6:35
